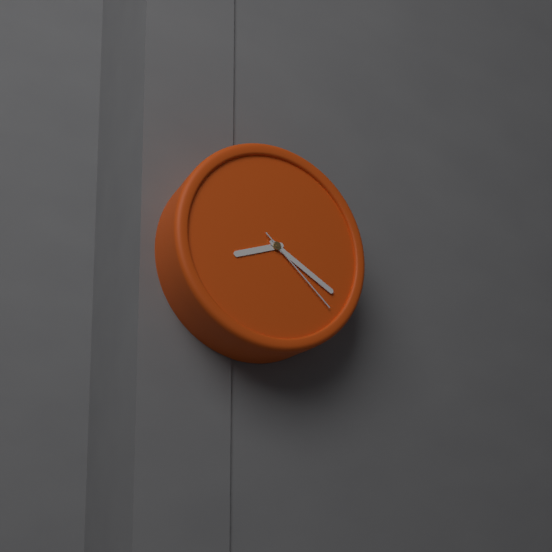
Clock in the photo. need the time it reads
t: 8:20:22
